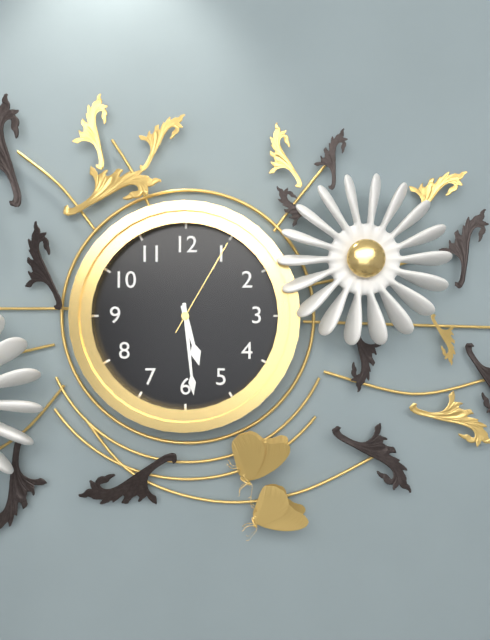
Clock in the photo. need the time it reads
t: 5:29:05
